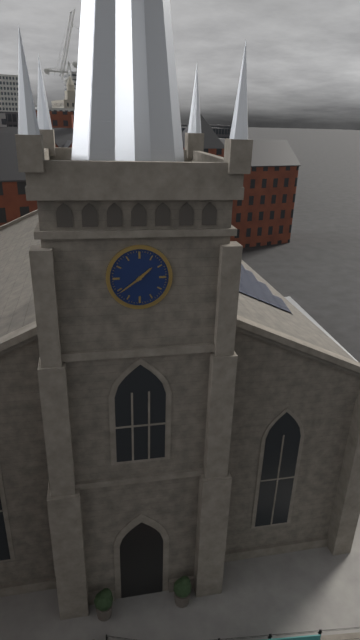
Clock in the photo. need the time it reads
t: 1:39
